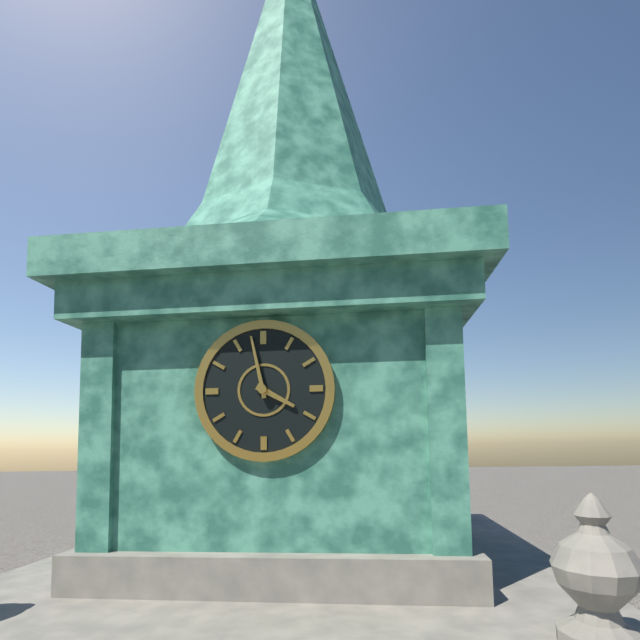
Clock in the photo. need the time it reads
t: 3:58
